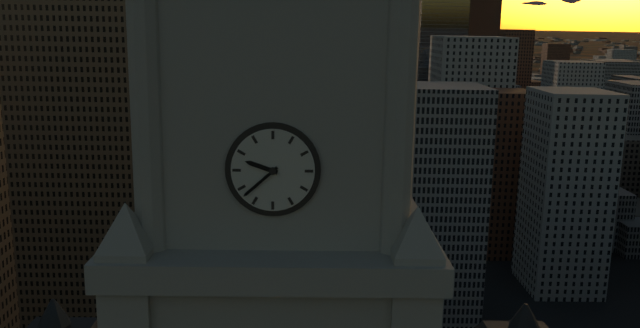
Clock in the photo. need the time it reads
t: 9:38
